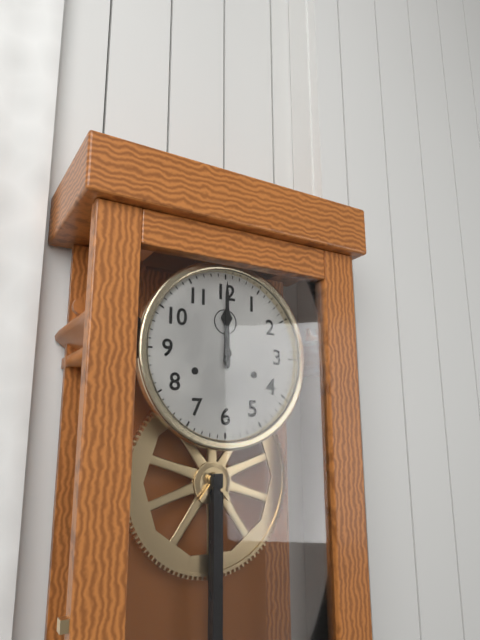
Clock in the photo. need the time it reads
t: 12:00
